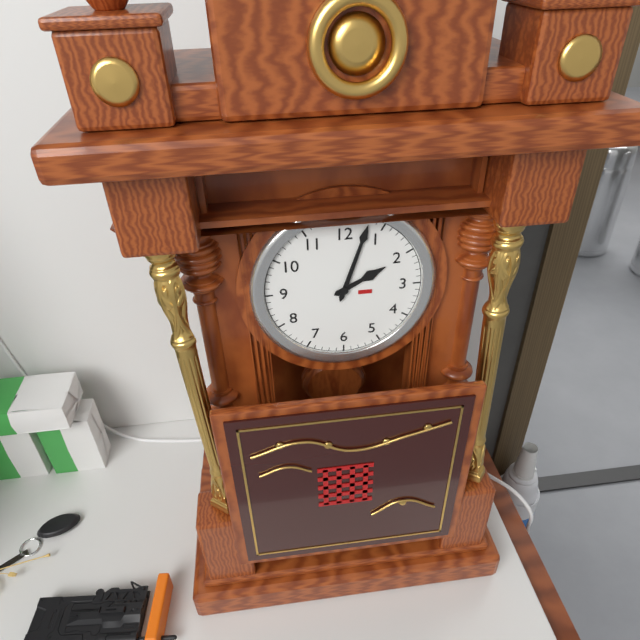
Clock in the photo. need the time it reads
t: 2:03
